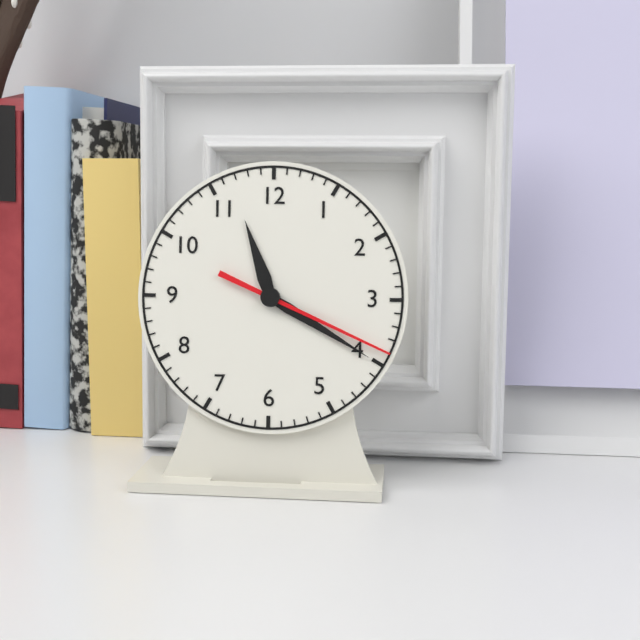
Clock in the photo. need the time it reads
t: 11:20:19
